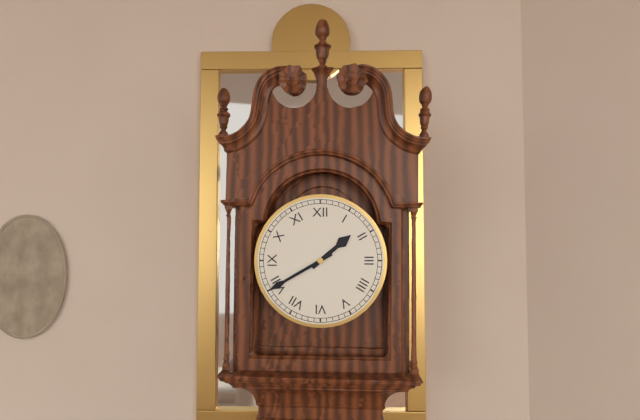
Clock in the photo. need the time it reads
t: 1:40
